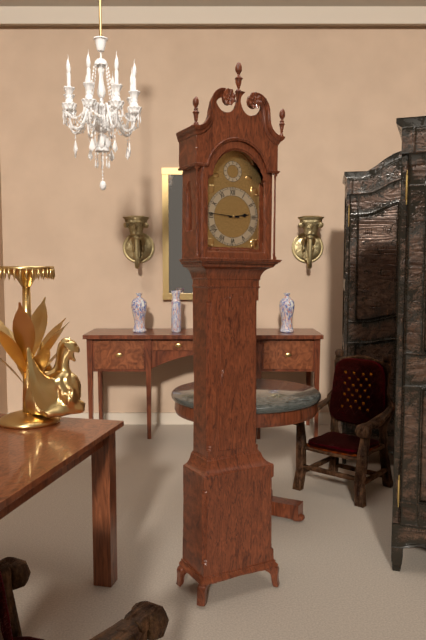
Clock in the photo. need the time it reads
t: 2:46
